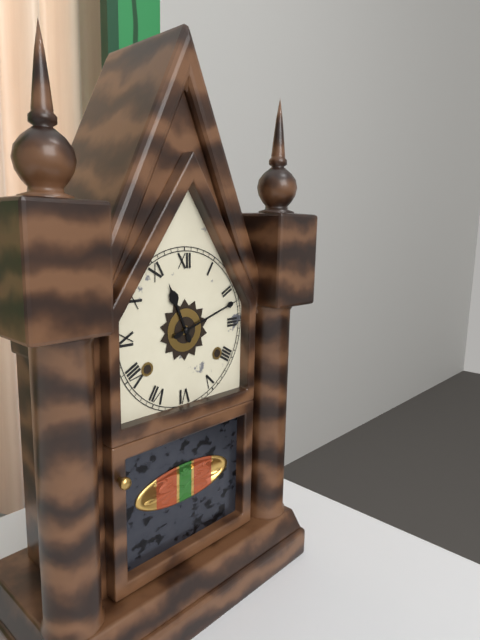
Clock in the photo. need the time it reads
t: 11:12
